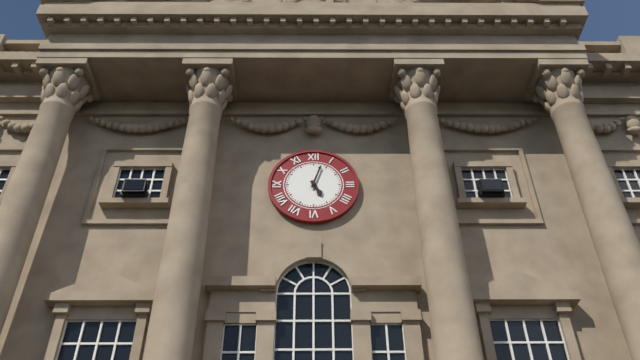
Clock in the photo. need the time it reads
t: 5:03
